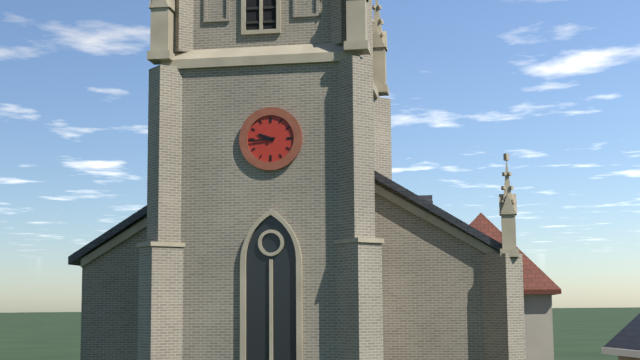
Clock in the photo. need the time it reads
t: 9:44
